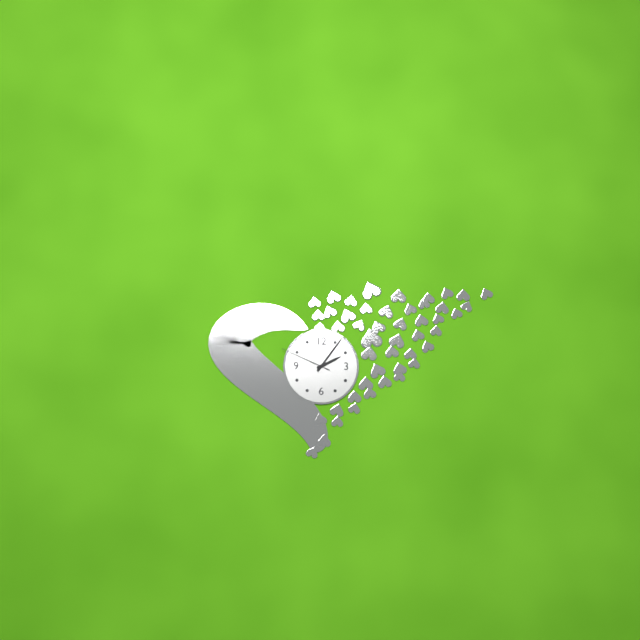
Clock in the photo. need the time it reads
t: 2:06:49
